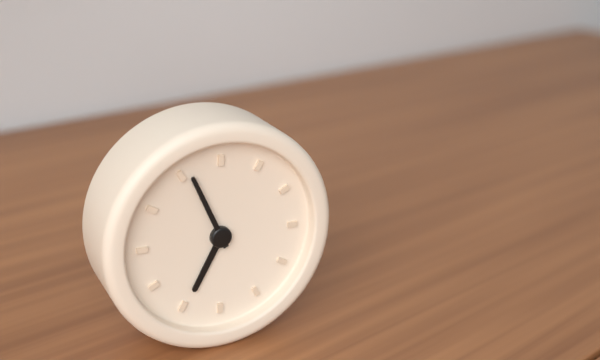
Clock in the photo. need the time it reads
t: 6:56
